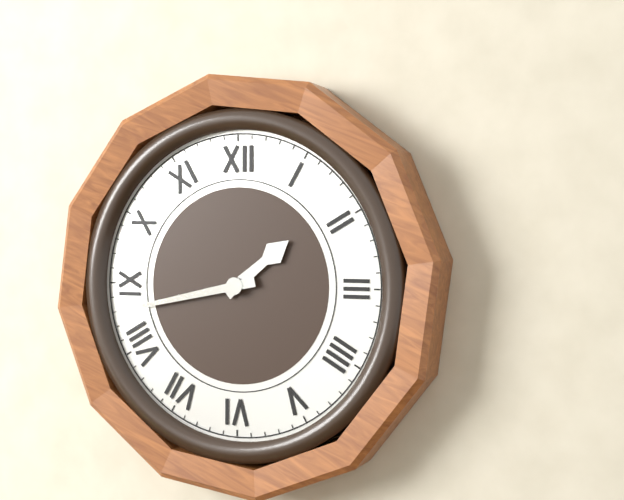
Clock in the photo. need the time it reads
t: 1:43
